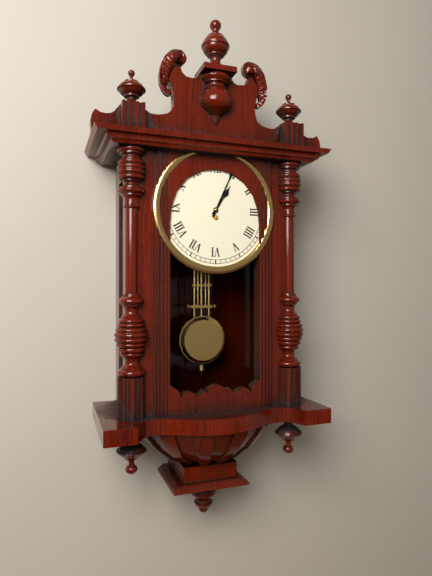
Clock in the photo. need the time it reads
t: 1:04
